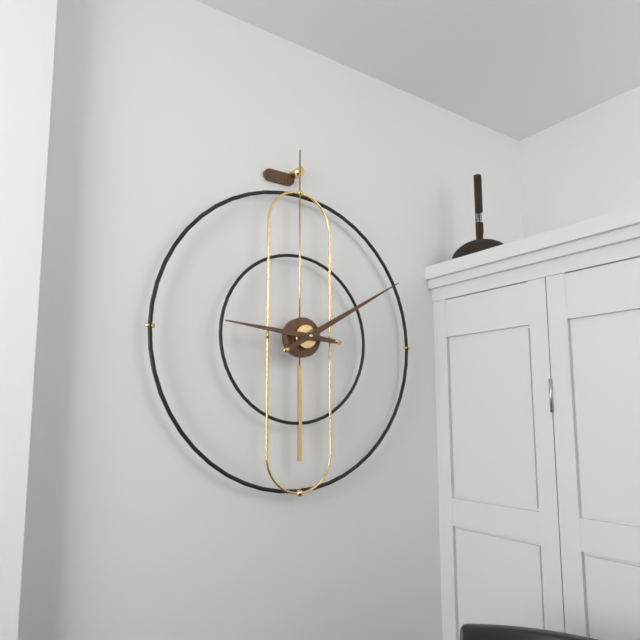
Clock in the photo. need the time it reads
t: 9:10
